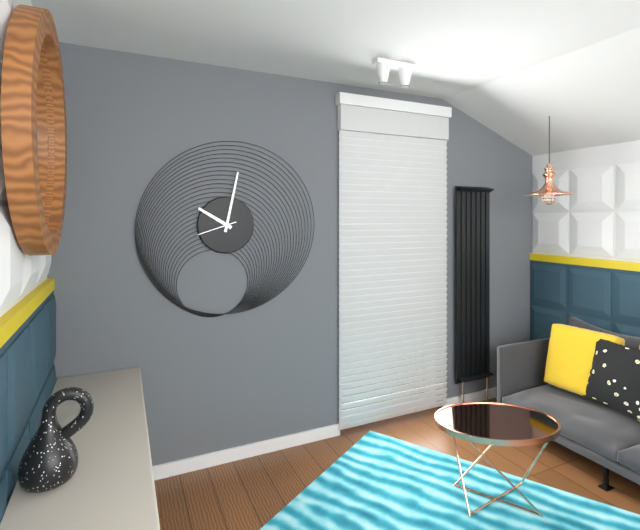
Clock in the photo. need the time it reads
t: 10:02
